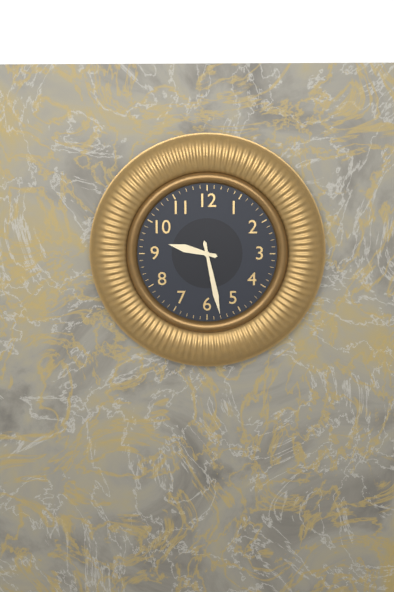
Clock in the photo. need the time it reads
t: 9:28
